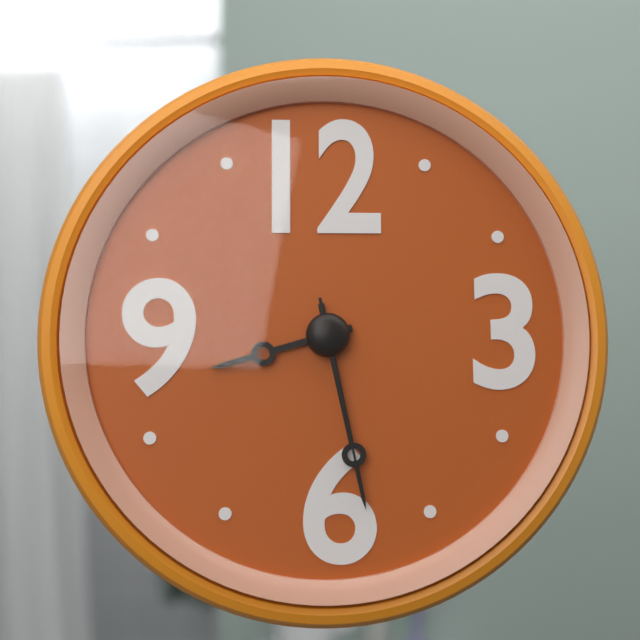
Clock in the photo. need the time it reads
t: 8:28:28
